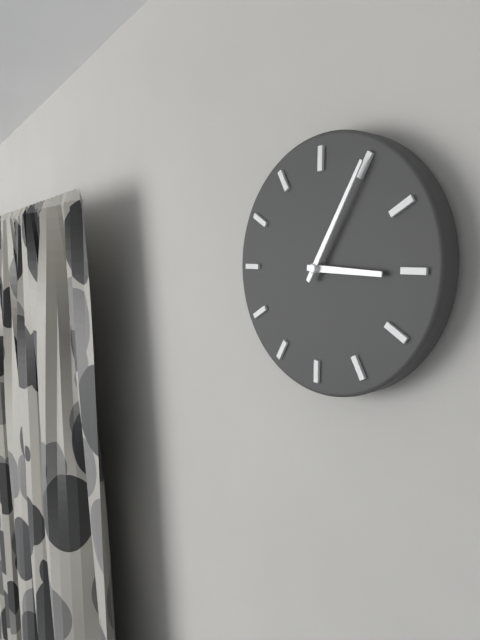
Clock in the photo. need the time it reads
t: 3:05
